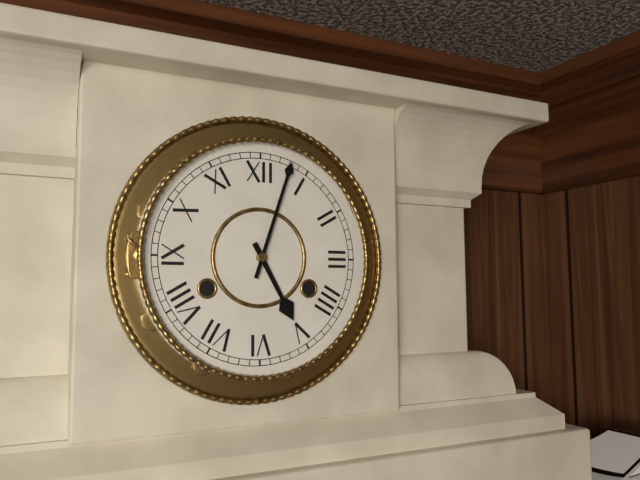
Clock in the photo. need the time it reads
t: 5:03
